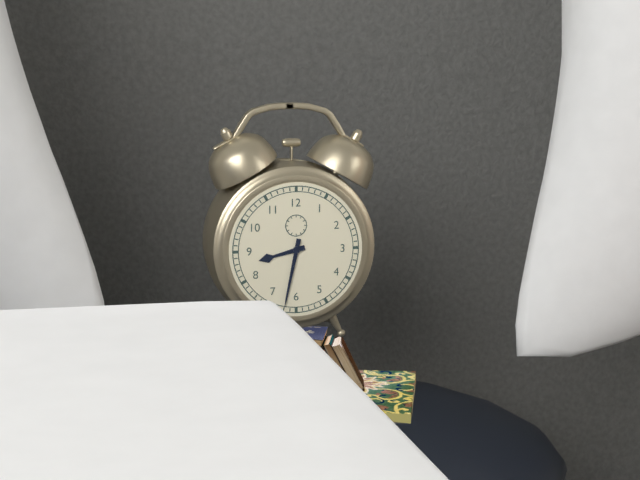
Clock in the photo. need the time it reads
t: 8:32
